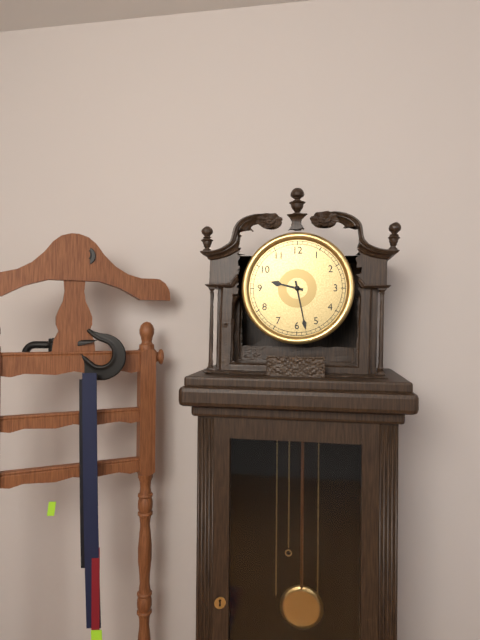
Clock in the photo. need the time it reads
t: 9:28
